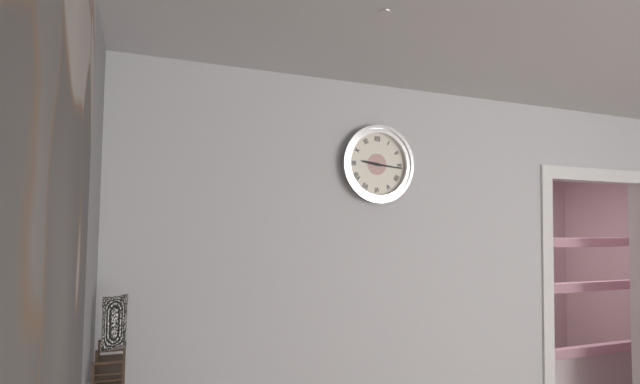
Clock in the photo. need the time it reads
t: 9:16
